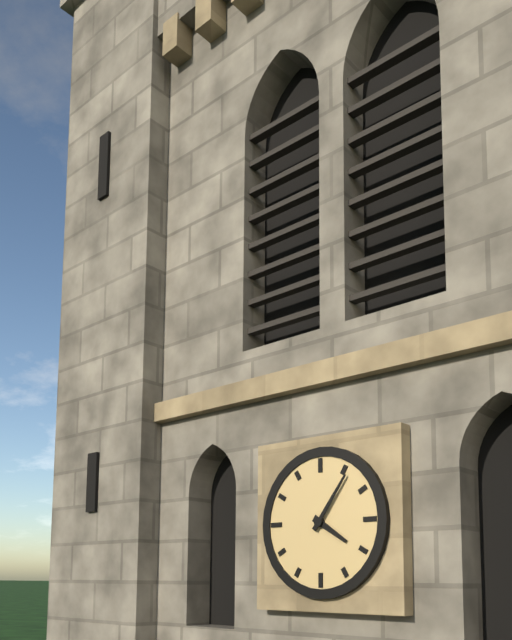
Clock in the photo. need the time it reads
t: 4:06
